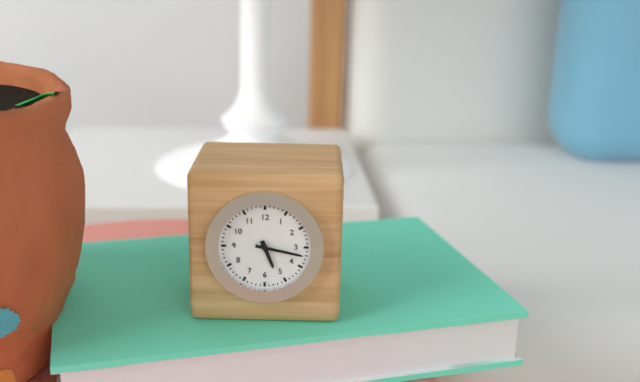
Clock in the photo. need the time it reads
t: 5:17
